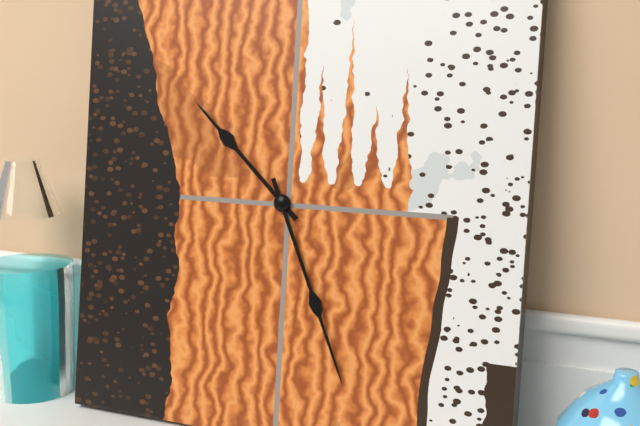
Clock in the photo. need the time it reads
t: 10:26
